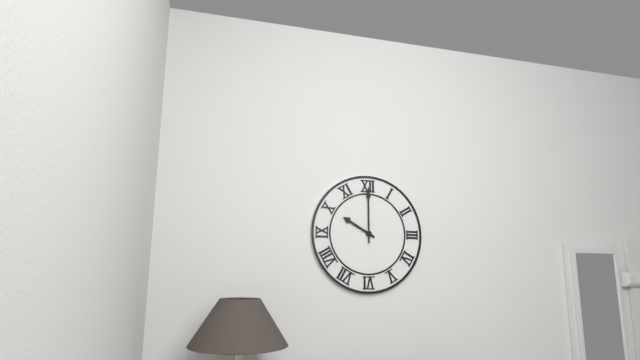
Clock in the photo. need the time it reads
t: 10:00
